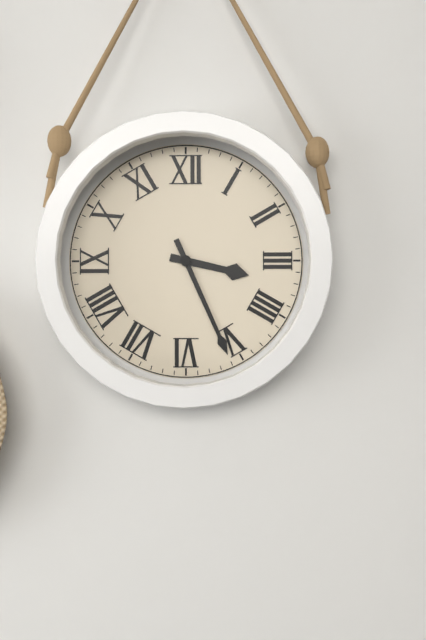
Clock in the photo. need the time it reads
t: 3:26
